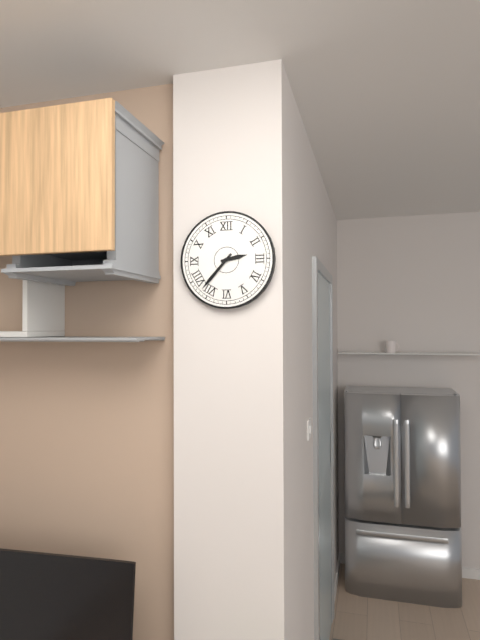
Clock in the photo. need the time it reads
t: 2:37
